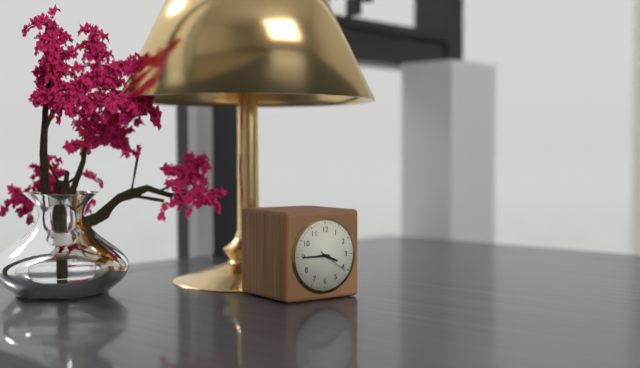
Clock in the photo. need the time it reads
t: 3:45
